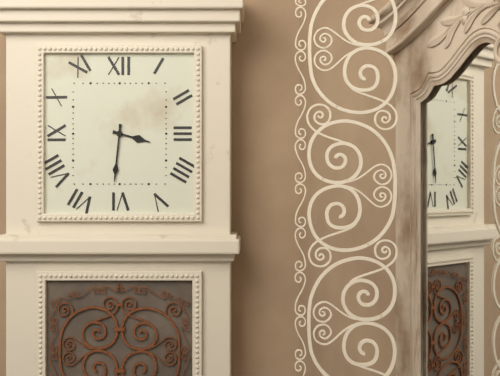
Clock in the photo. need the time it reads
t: 3:31
